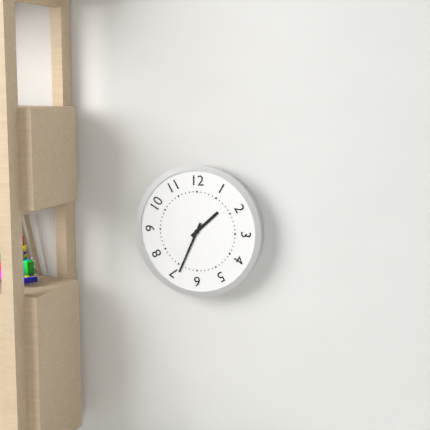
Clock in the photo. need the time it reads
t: 1:34
